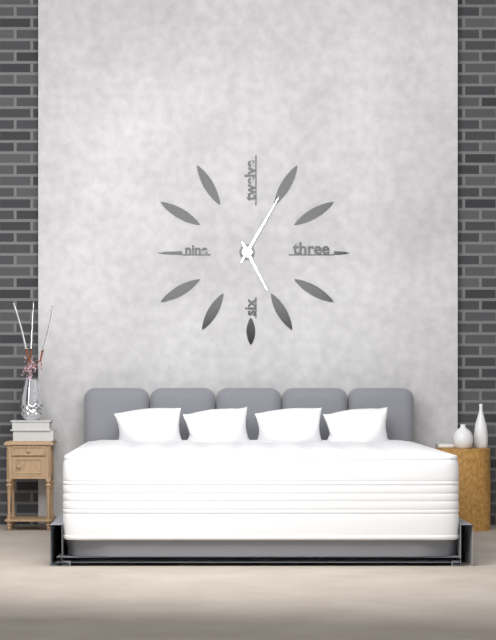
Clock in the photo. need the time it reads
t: 5:05
